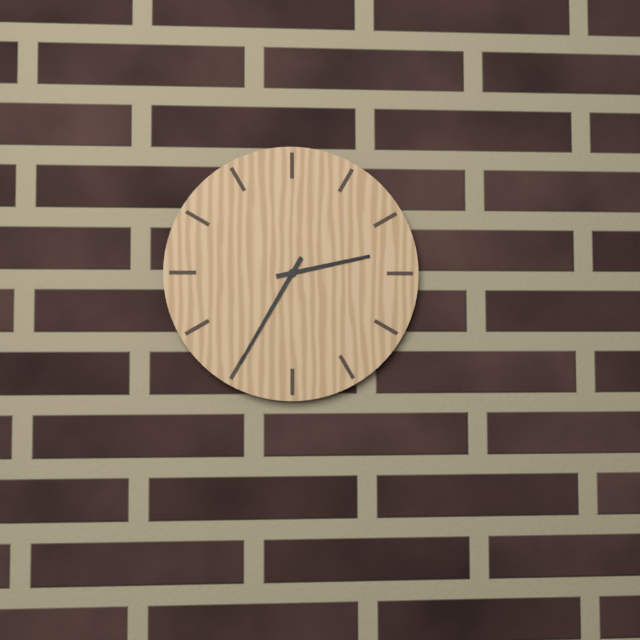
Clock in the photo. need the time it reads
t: 2:35
